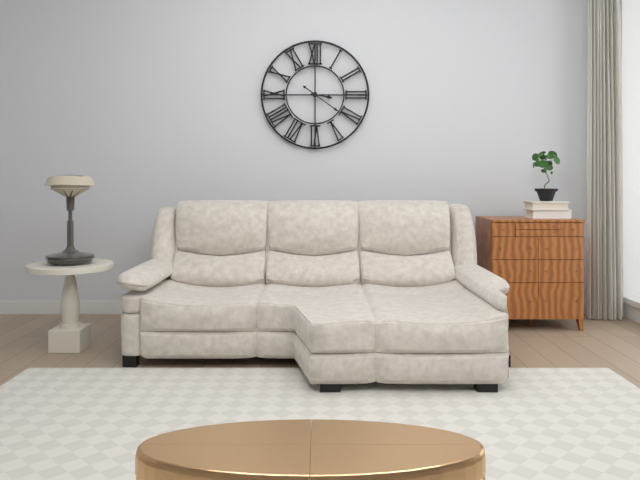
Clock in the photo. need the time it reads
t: 3:21
